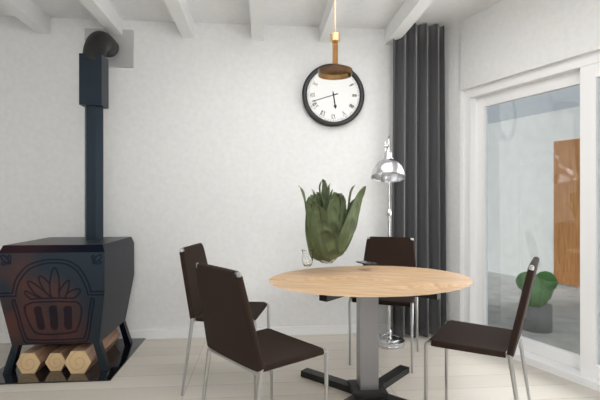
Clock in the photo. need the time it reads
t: 5:42
